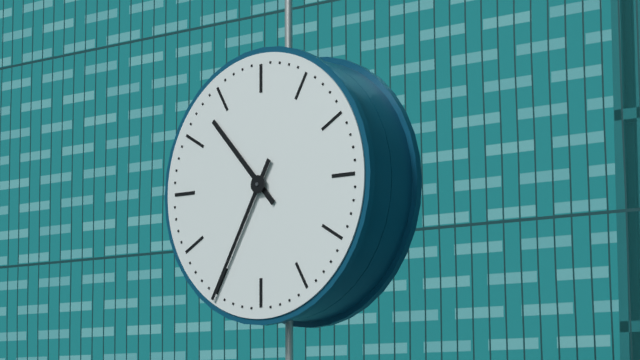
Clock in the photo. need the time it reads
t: 10:35
